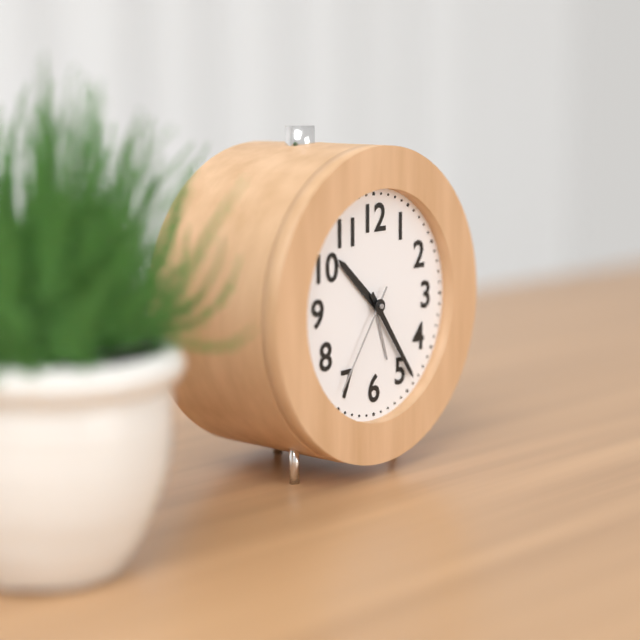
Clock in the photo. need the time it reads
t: 10:24:36
